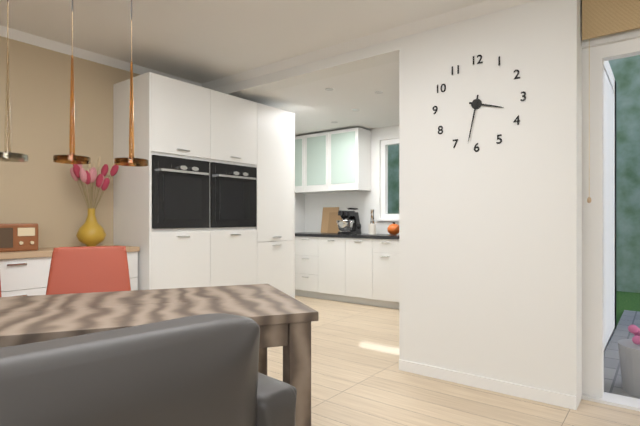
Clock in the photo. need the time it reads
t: 3:32
